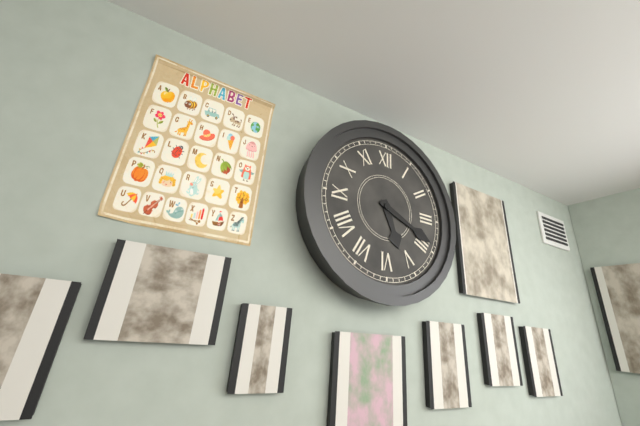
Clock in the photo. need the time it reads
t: 5:19
